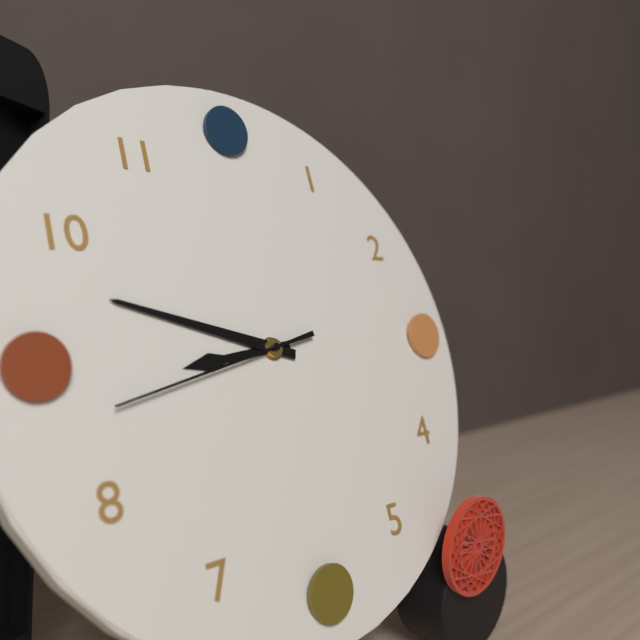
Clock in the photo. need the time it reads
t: 8:48:43
